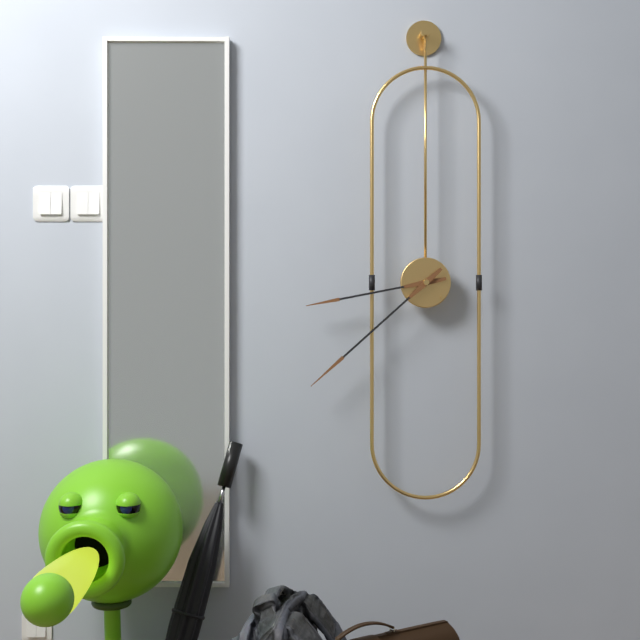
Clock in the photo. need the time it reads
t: 8:38
